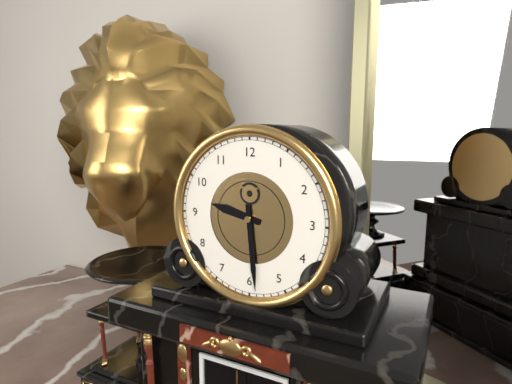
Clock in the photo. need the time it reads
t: 9:29
